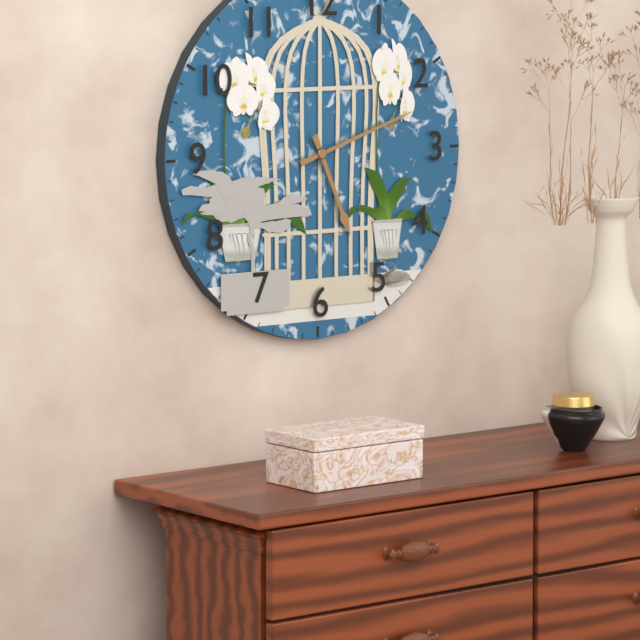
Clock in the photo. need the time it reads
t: 5:12
